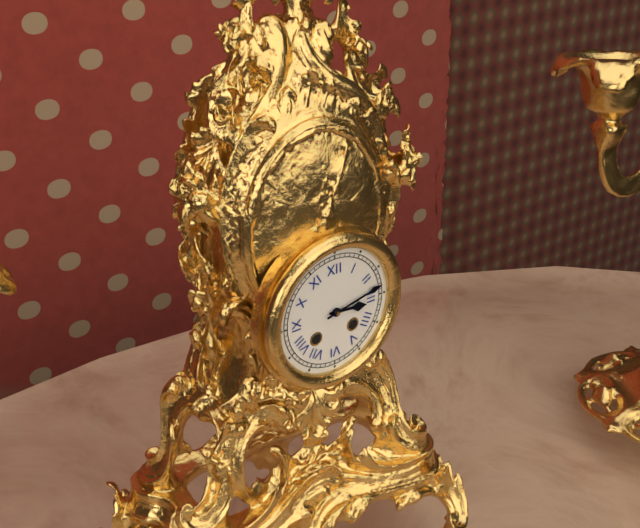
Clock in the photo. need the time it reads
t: 3:13
